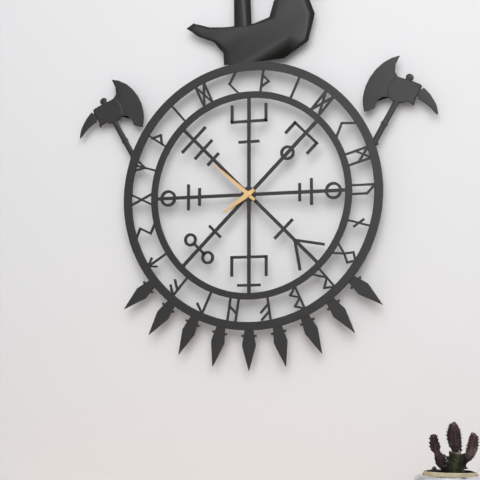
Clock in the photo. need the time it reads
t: 7:52
